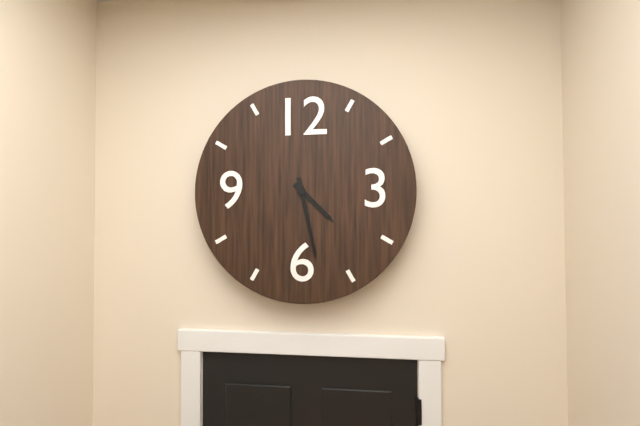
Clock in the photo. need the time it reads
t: 4:28
